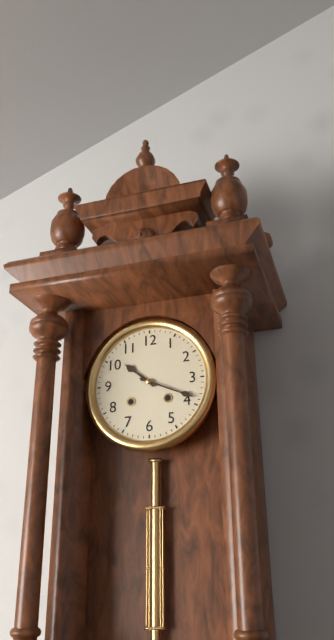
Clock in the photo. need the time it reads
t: 10:19
